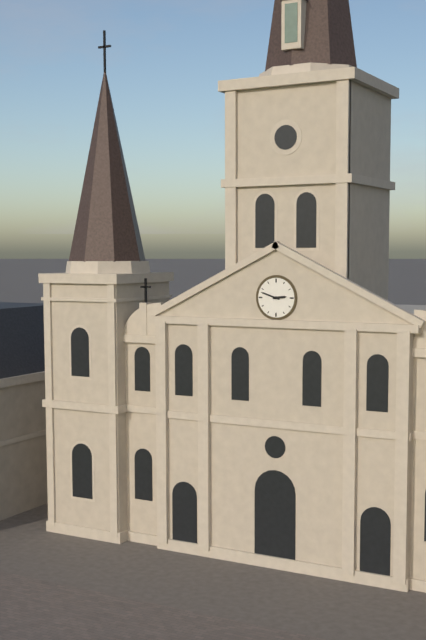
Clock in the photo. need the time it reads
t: 2:48
